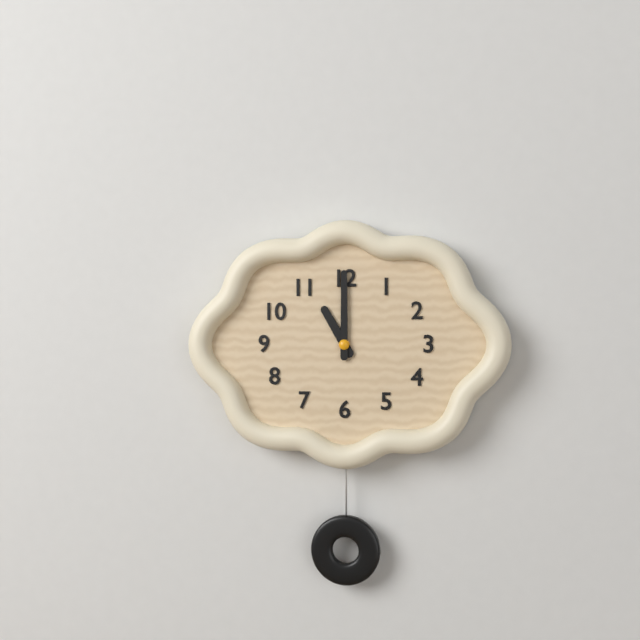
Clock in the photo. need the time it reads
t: 11:00
